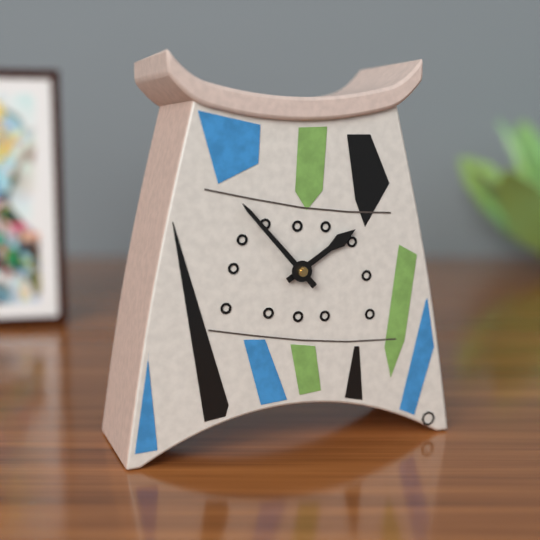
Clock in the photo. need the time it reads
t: 1:53
